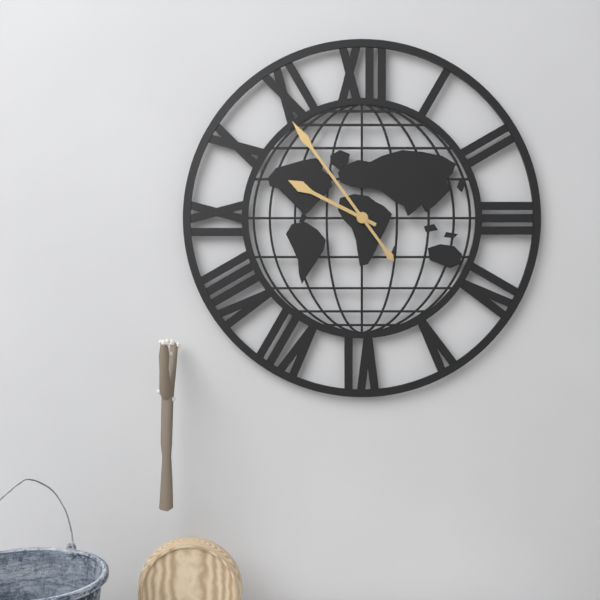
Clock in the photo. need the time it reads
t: 9:54
